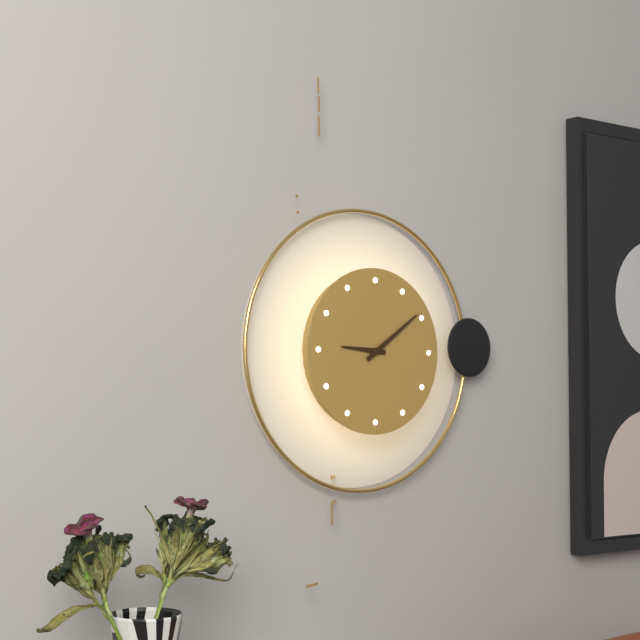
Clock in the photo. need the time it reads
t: 9:09
